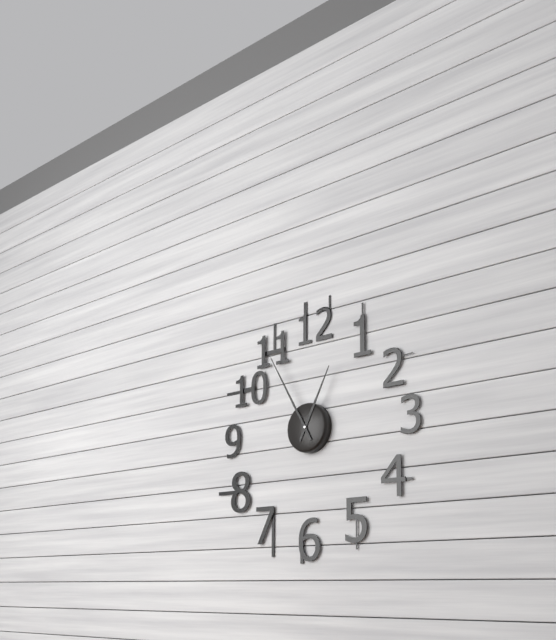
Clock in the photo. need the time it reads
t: 12:55
